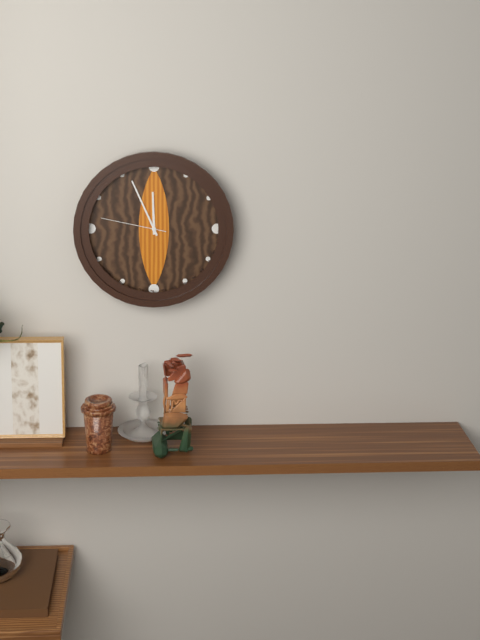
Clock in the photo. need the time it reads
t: 11:56:47
